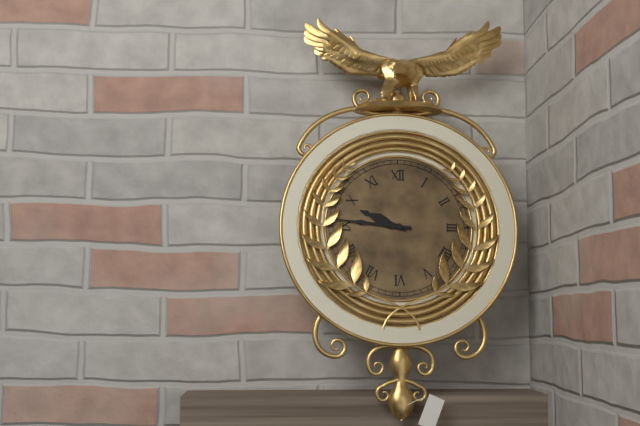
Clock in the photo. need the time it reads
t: 9:46
